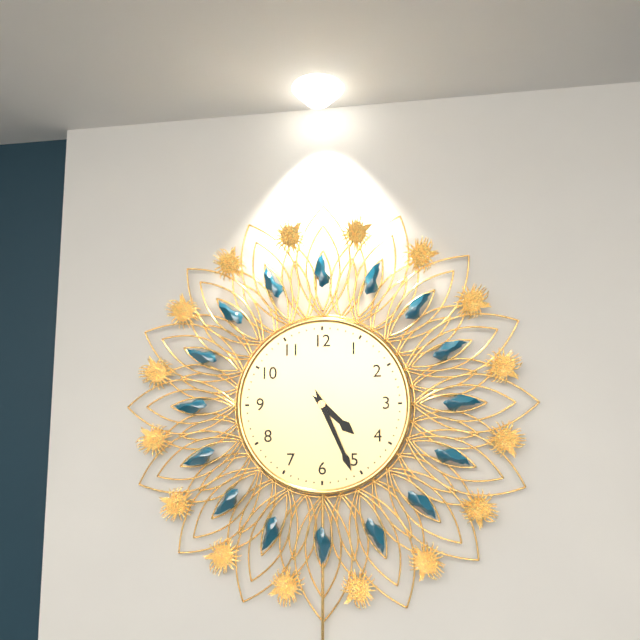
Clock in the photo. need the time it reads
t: 4:26
